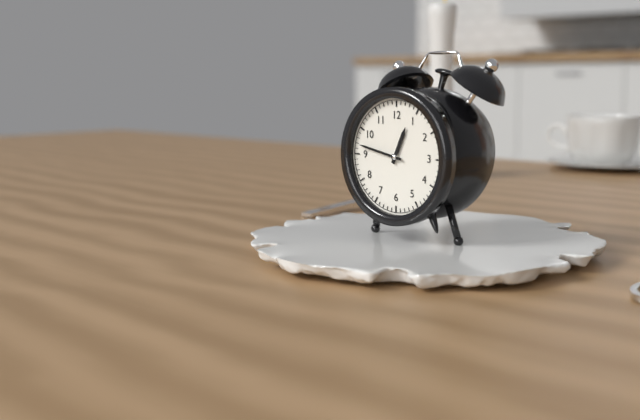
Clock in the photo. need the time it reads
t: 12:47
